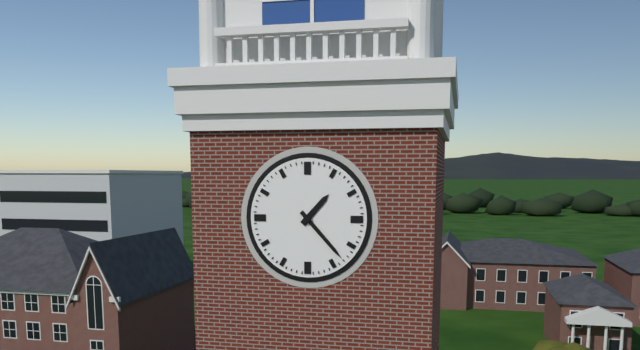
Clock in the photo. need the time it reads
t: 1:23
